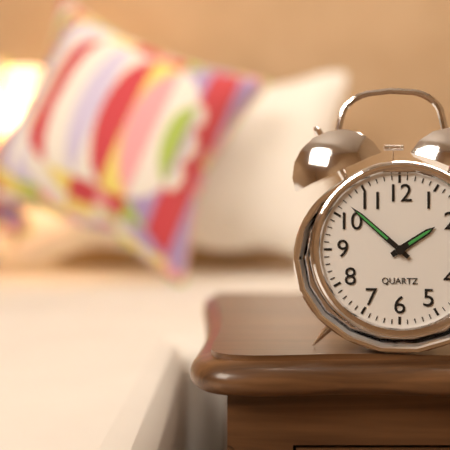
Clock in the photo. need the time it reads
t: 1:52
